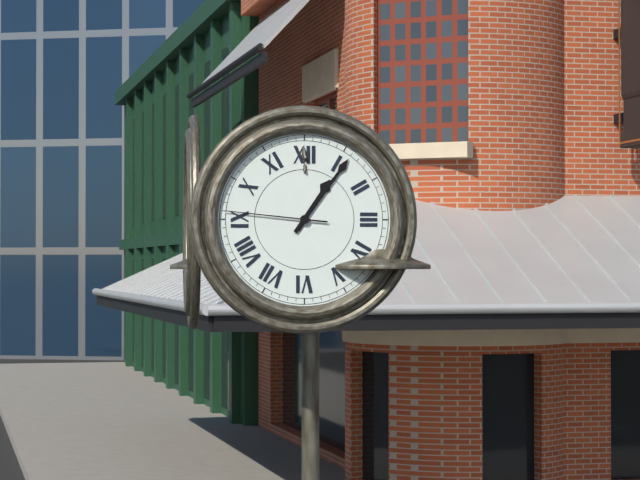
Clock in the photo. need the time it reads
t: 1:06:46
